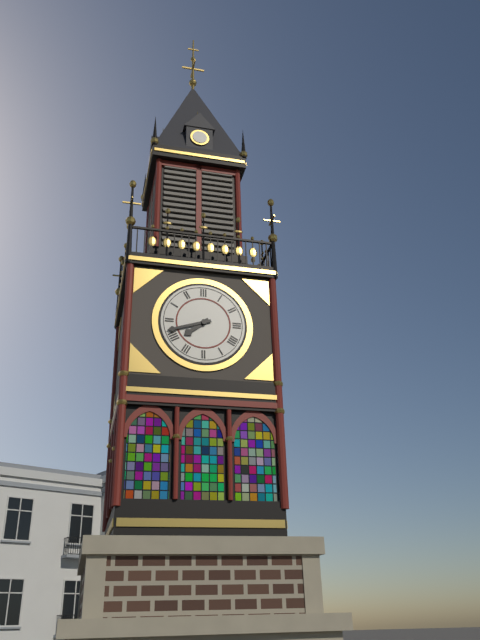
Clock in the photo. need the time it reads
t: 7:42
